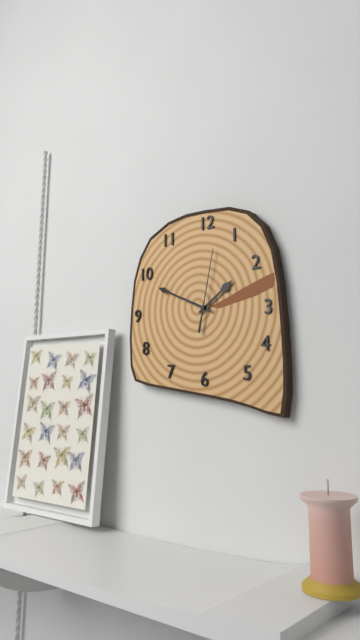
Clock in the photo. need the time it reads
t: 1:49:02
